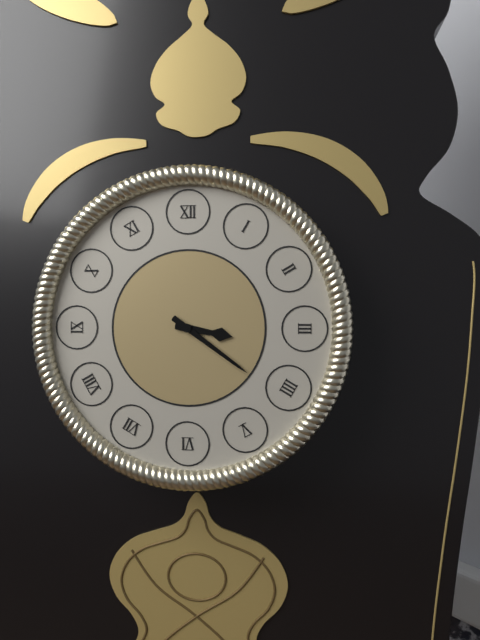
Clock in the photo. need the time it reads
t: 3:21
